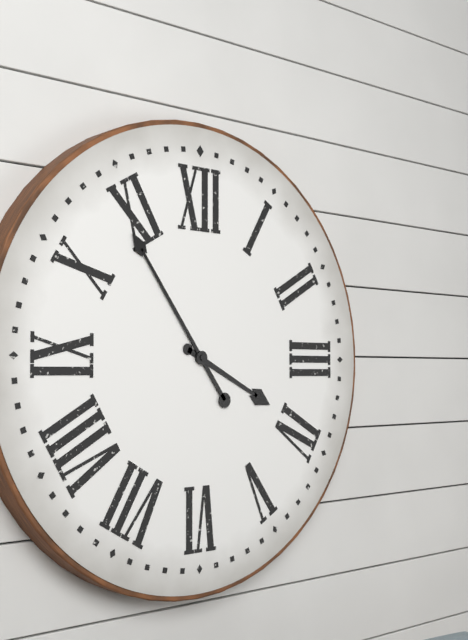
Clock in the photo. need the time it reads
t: 3:54
